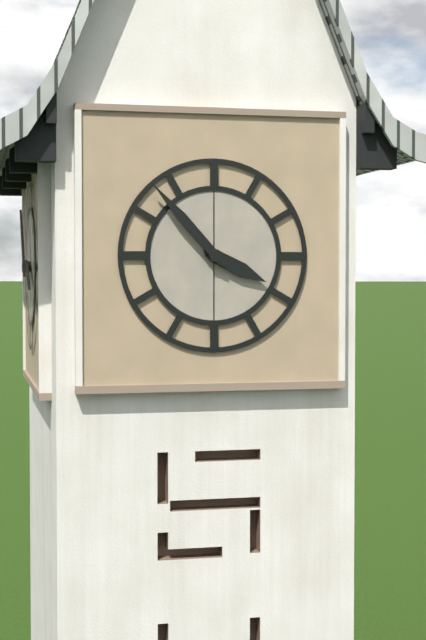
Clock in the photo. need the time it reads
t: 3:53
